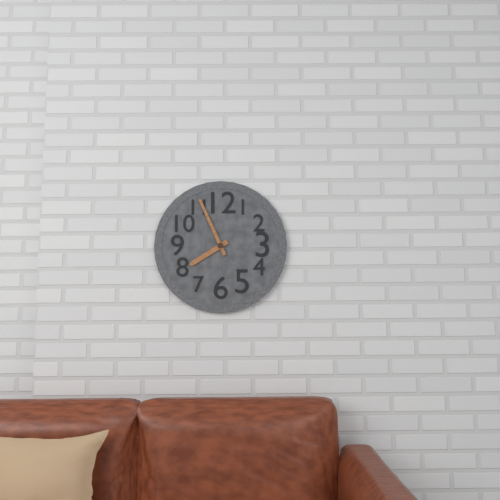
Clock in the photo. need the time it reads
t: 7:56
